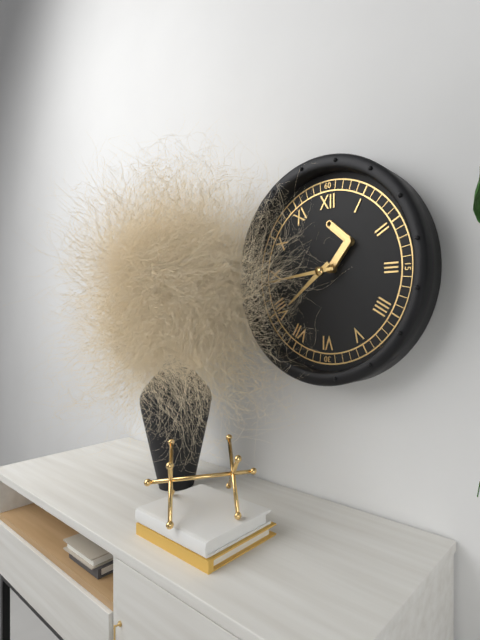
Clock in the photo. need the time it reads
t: 7:44
